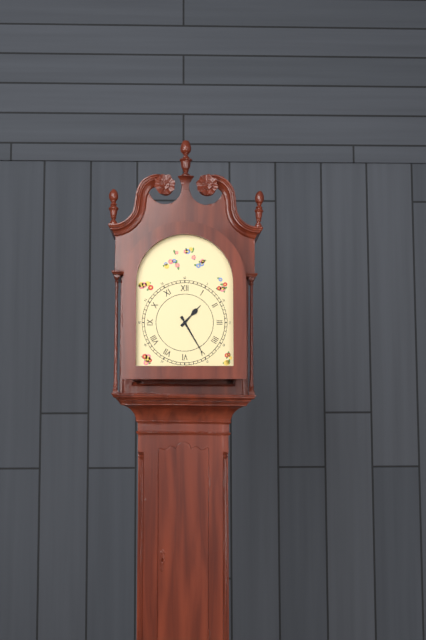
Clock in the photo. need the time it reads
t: 1:25
